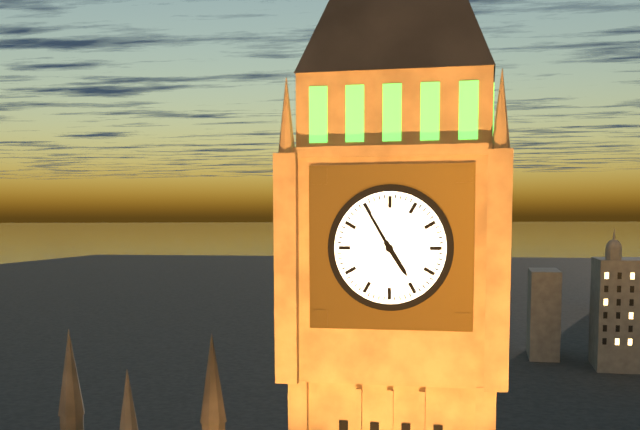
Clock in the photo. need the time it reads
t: 4:55
